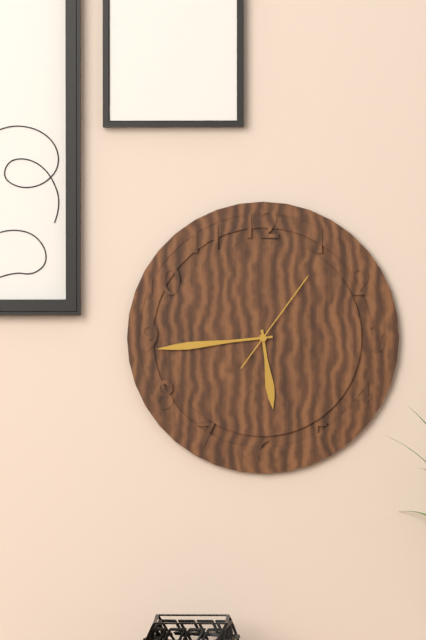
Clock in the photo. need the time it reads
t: 5:44:06
